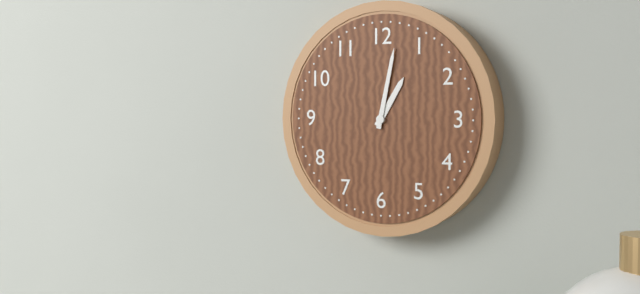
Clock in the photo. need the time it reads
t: 1:02
